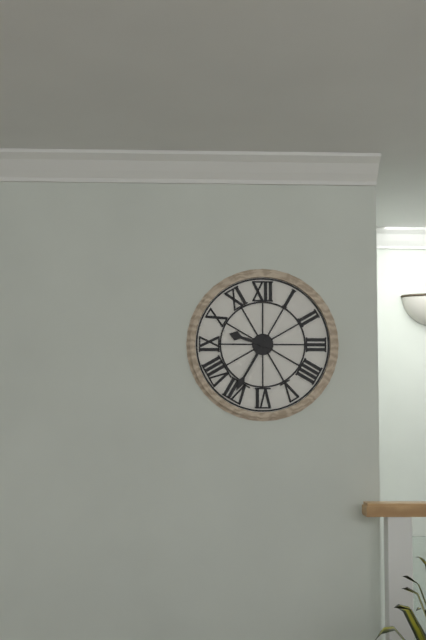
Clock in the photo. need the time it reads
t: 9:35
